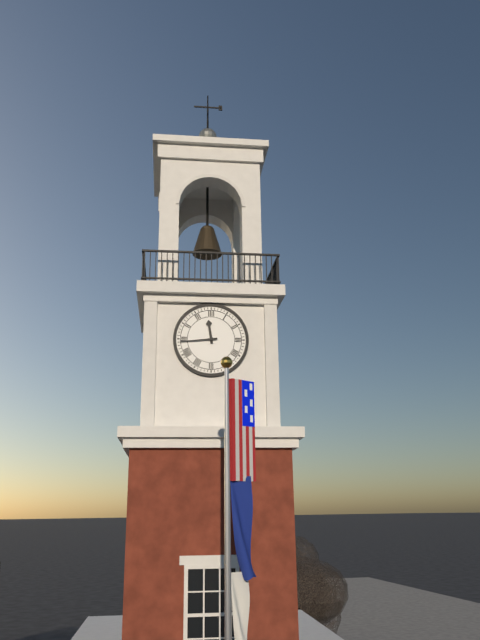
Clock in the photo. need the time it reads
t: 11:44
